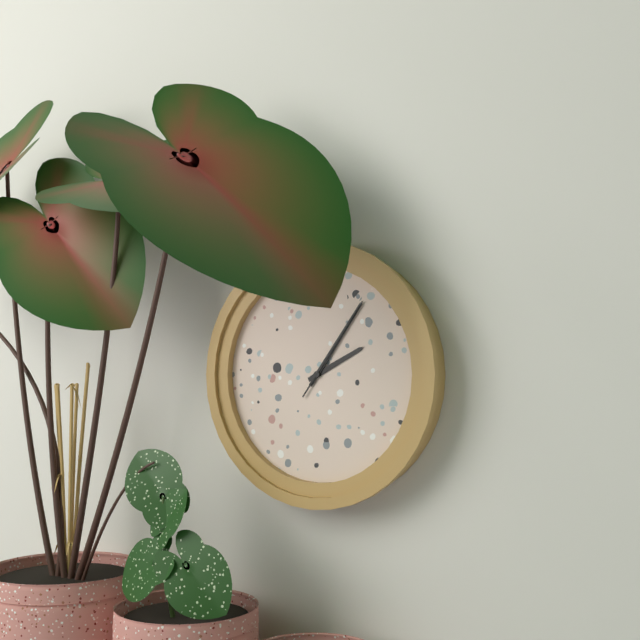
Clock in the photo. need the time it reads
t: 2:06:06
